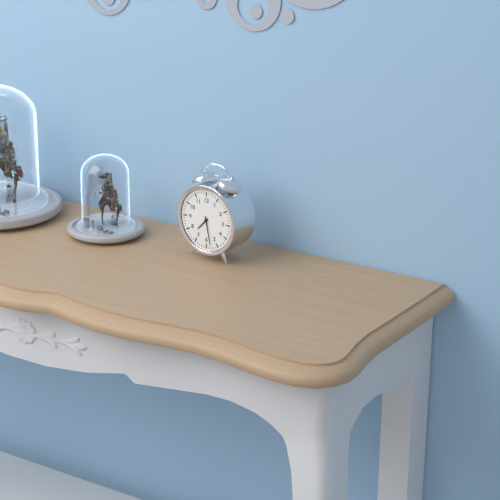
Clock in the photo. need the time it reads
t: 7:28
